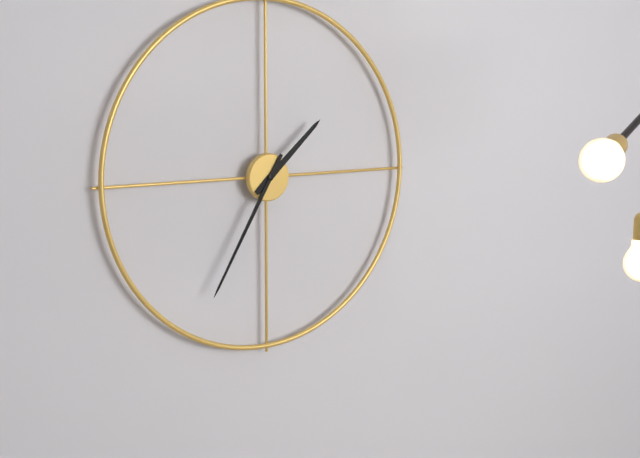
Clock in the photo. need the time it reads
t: 1:35
